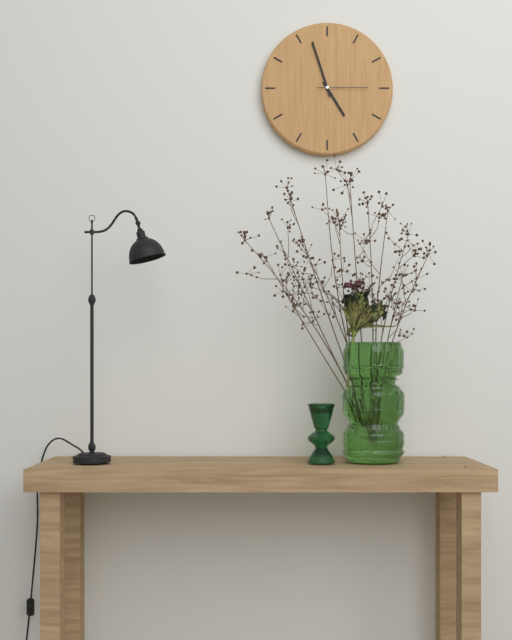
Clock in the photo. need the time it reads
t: 4:57:15
